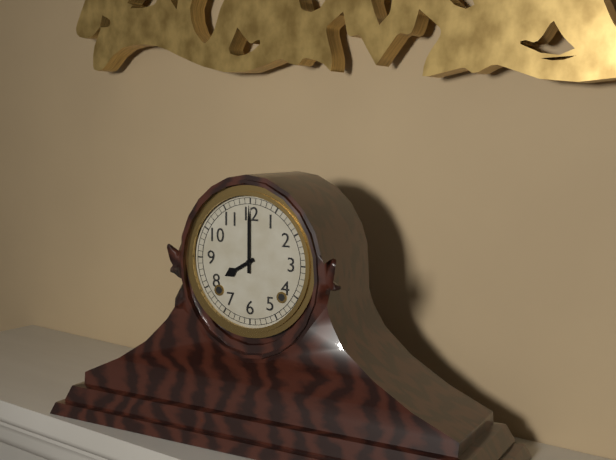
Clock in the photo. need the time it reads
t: 8:00
